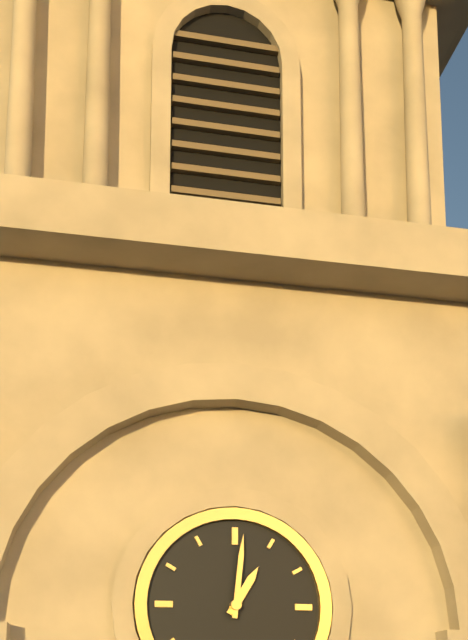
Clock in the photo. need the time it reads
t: 1:01
